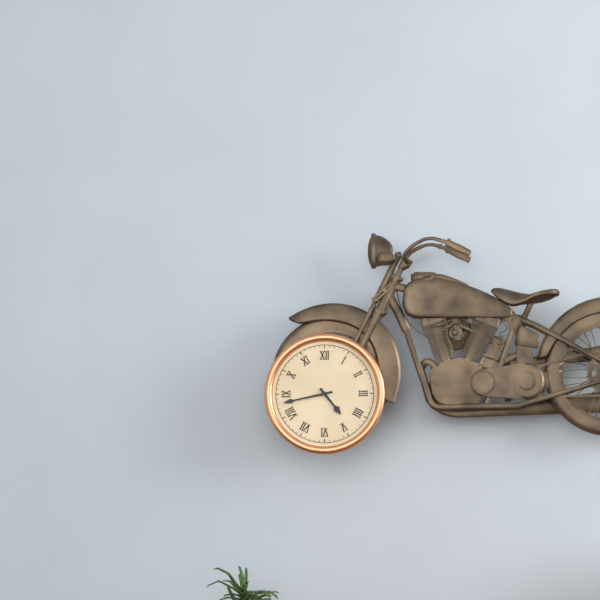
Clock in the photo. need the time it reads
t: 4:43
